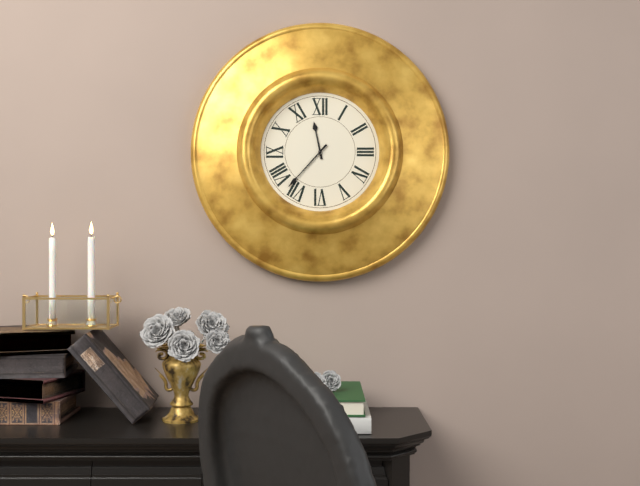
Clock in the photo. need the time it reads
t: 11:37
